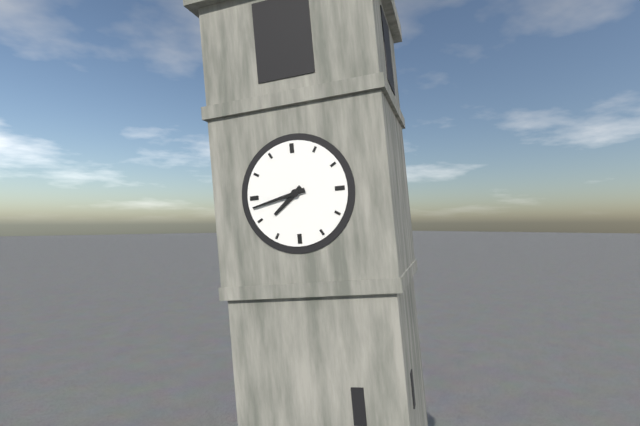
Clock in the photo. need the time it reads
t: 7:43
